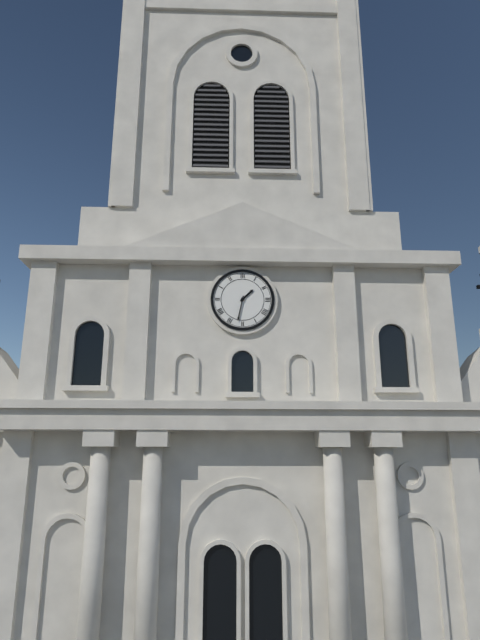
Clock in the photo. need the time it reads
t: 1:32
